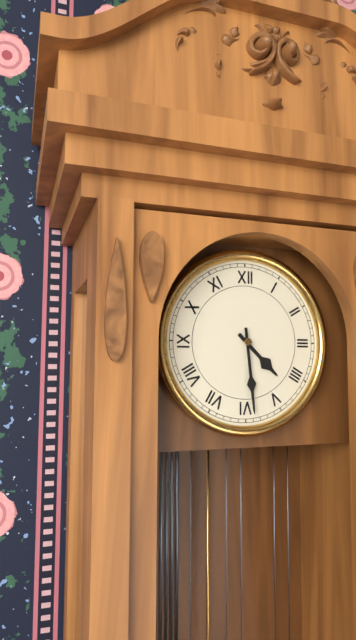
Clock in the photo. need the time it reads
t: 4:29
